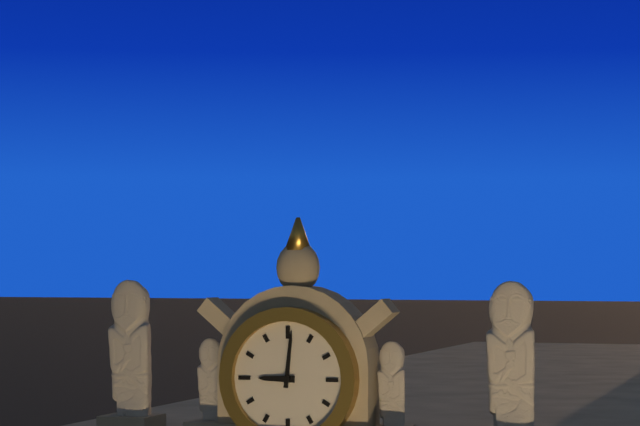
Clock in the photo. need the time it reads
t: 9:01
